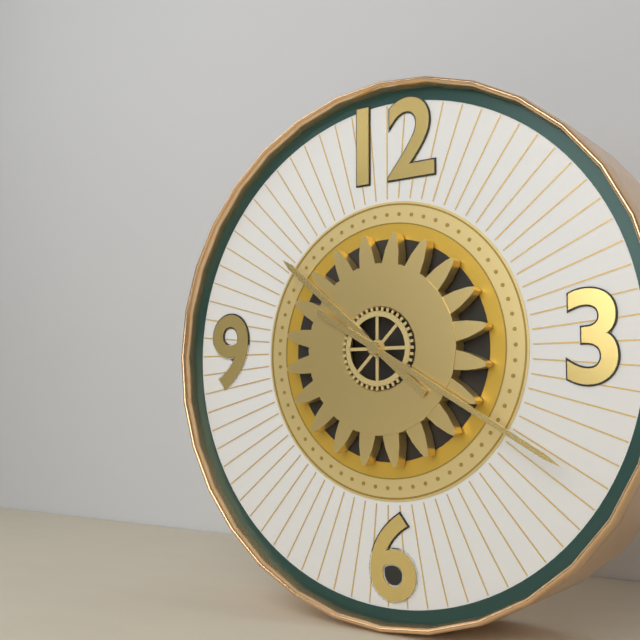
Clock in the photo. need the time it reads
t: 10:20
